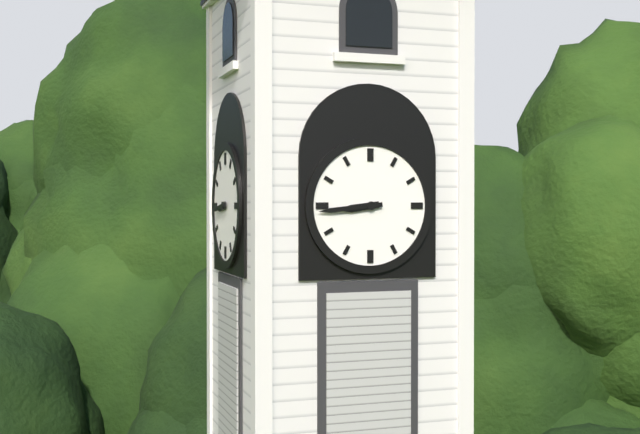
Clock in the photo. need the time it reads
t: 8:44
